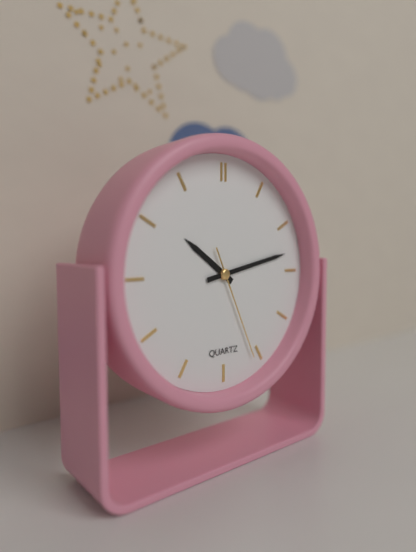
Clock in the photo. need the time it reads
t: 10:13:26
